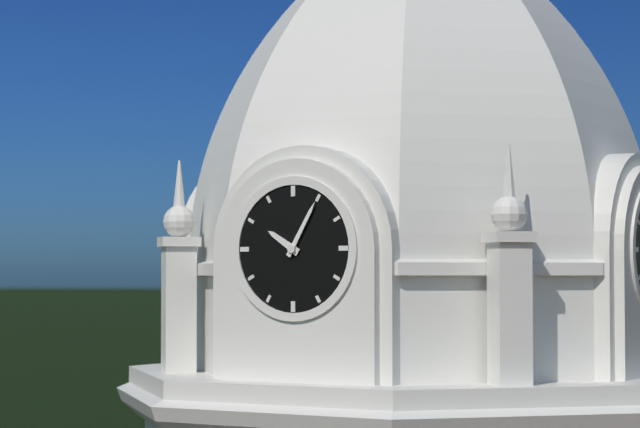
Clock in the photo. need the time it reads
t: 10:05
